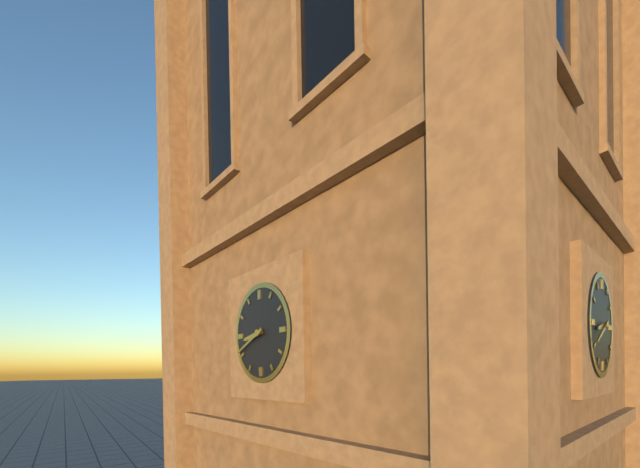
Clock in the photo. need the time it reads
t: 8:41
